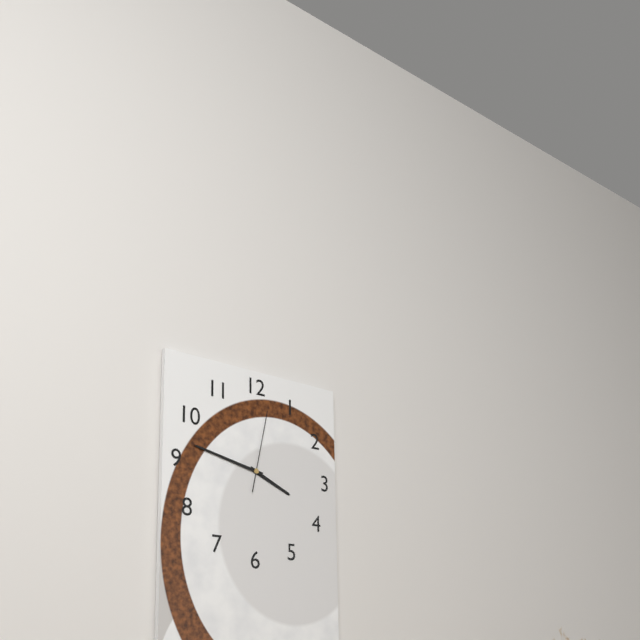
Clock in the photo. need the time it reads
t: 3:47:02
